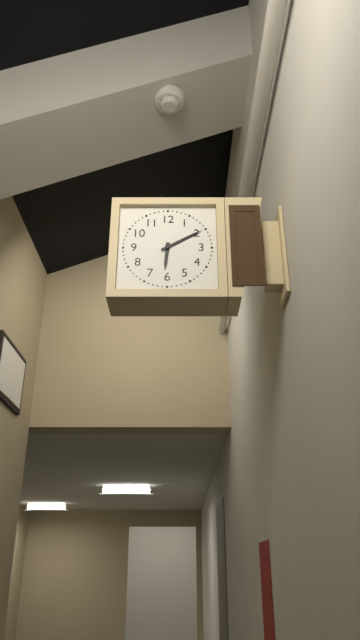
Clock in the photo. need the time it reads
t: 6:10
